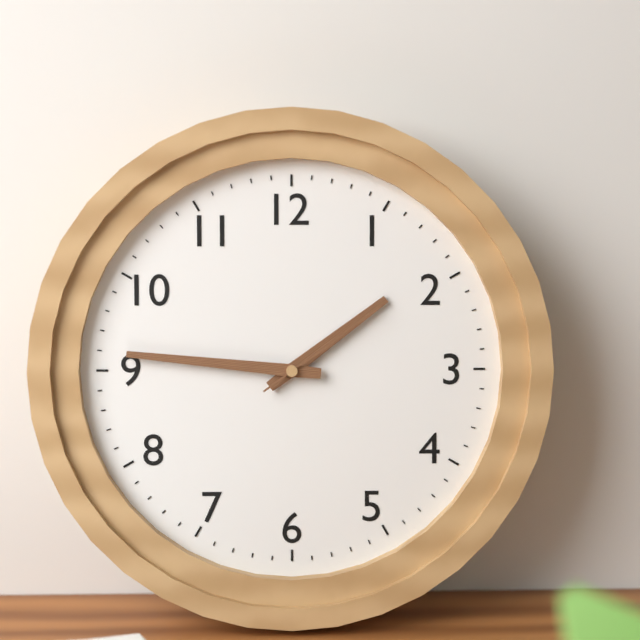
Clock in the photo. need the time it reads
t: 1:46:09
